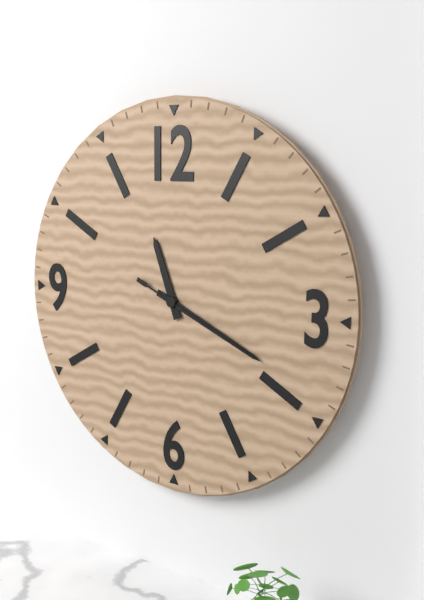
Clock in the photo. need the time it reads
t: 11:19:19
